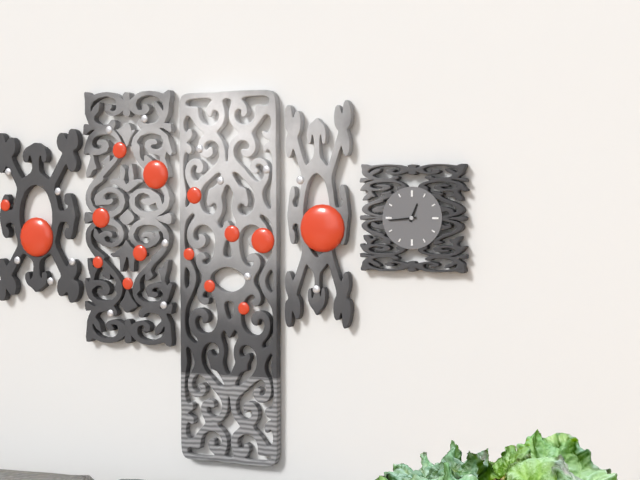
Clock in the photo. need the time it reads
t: 12:44
